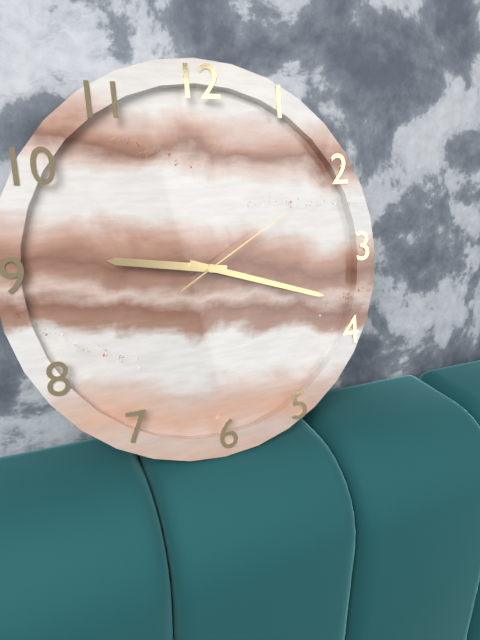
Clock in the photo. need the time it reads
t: 9:18:10
